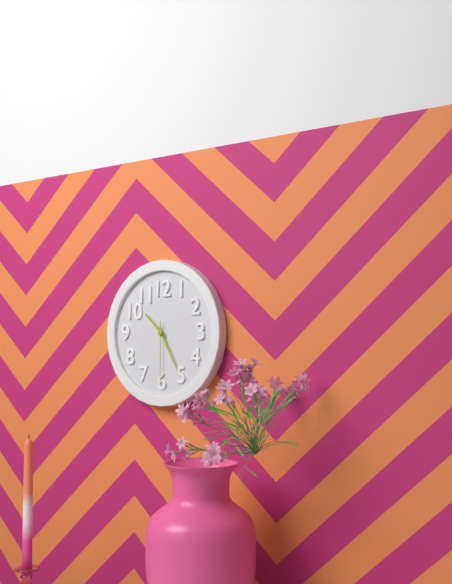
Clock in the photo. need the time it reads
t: 10:25:30
